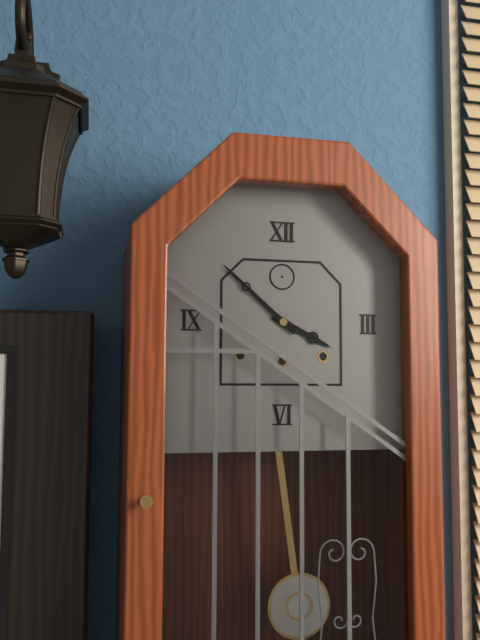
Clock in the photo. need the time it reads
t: 3:52
